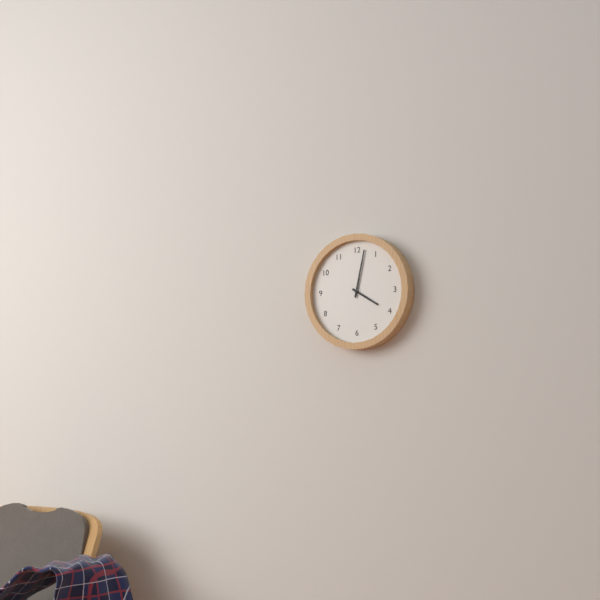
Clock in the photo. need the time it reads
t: 4:02
